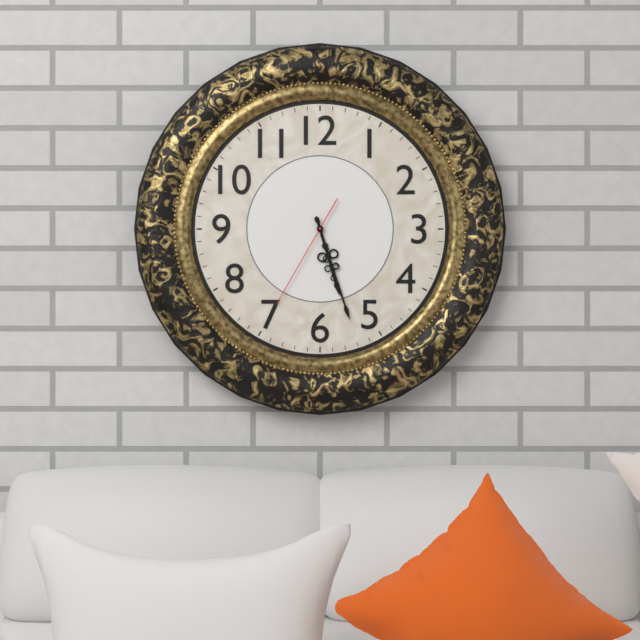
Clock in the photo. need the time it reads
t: 5:27:35
